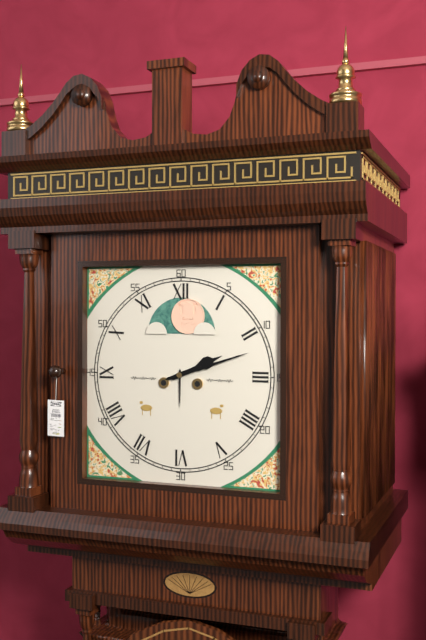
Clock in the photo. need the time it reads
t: 2:12
